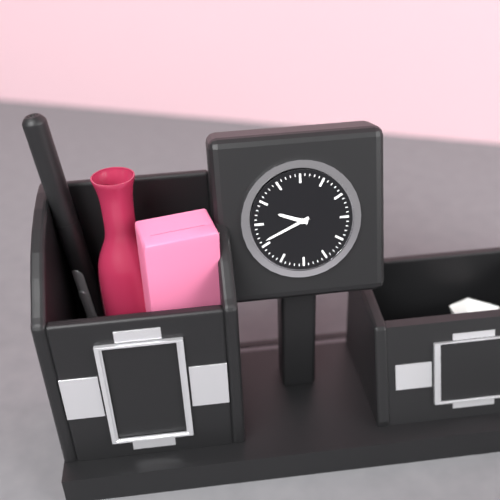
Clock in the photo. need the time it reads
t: 9:41
